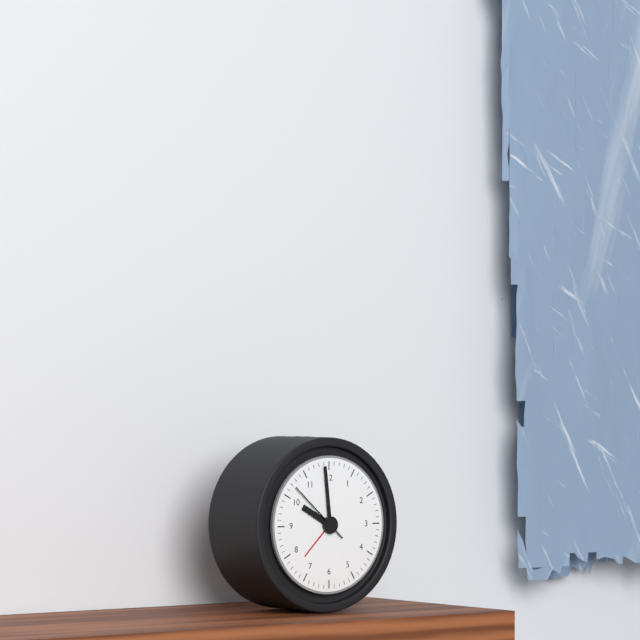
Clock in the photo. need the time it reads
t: 9:59:52
